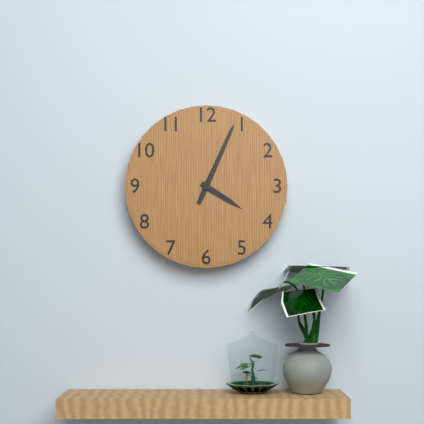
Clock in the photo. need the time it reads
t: 4:04
